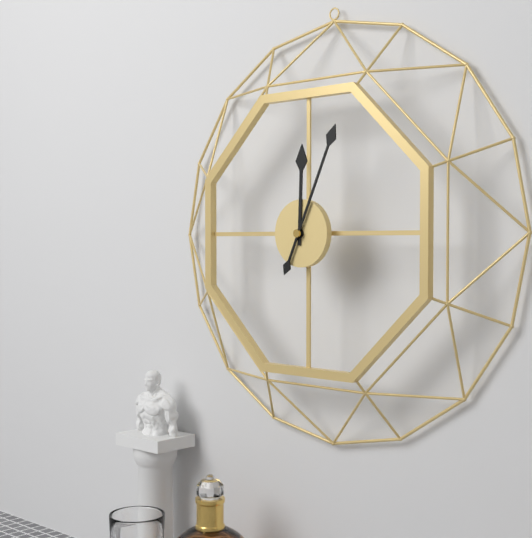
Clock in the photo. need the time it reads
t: 12:04
